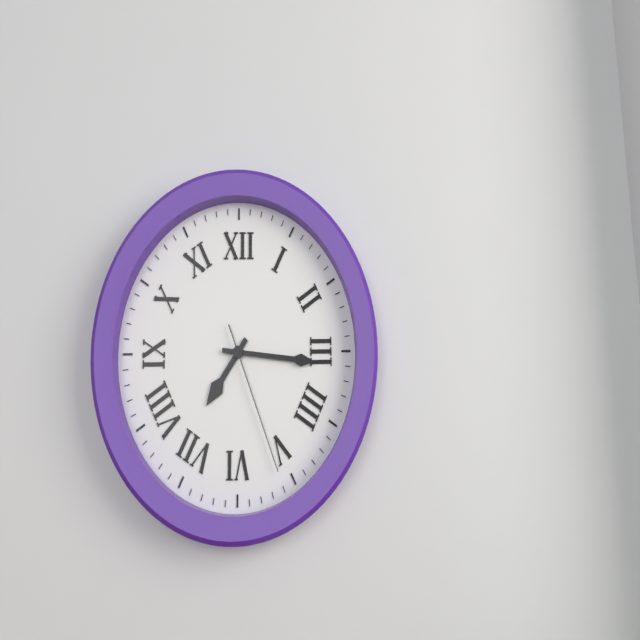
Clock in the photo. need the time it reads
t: 7:16:26
